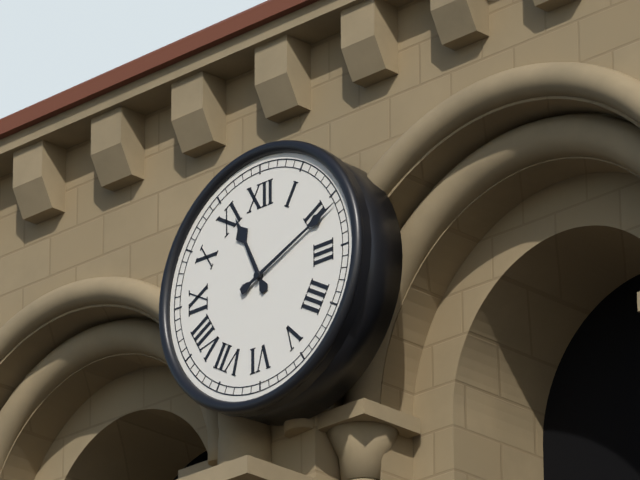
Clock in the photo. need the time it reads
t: 11:11
